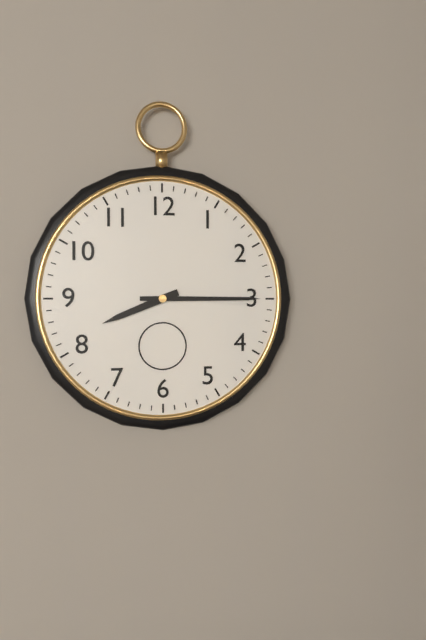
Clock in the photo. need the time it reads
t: 8:15
